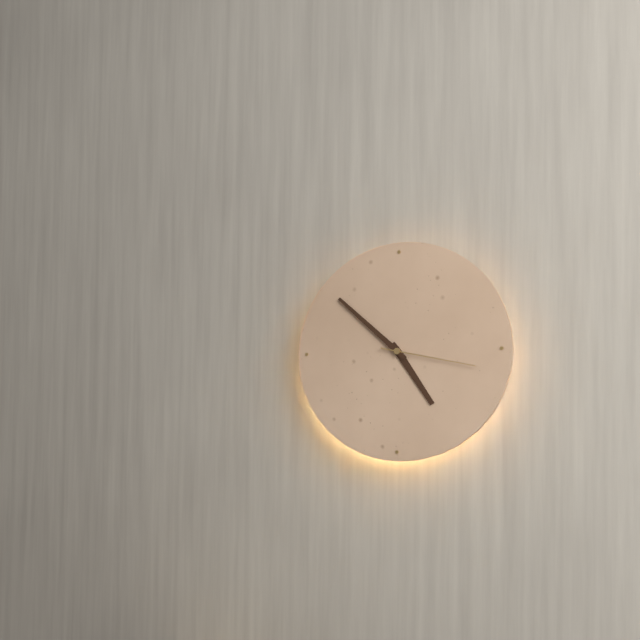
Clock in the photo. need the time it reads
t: 4:52:17
